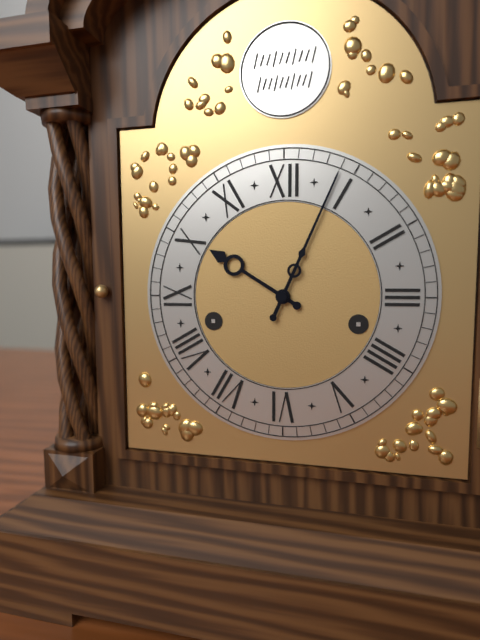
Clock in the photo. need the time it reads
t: 10:04
